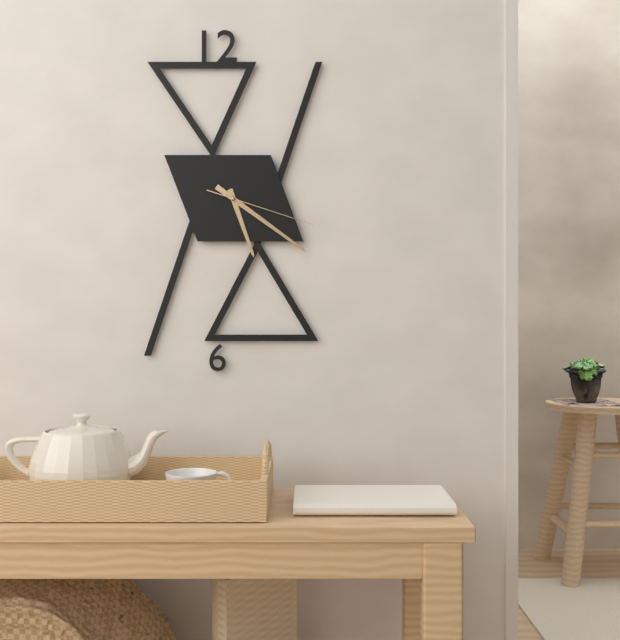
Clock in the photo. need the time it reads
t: 5:21:18
